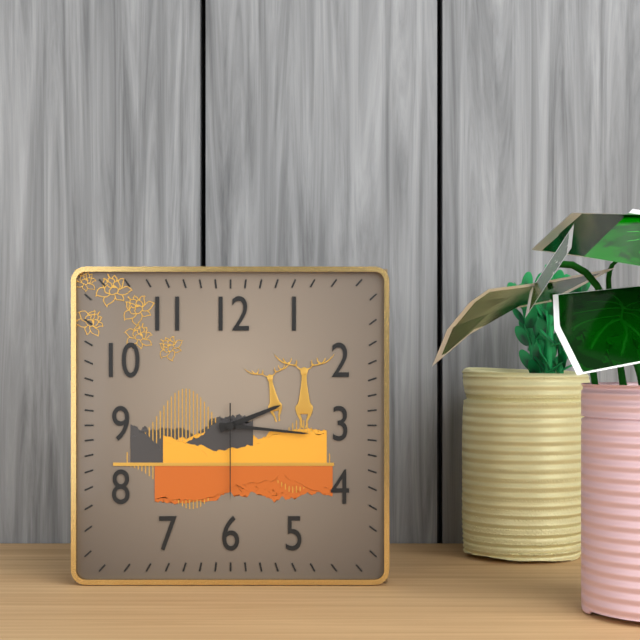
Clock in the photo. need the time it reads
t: 2:16:30
